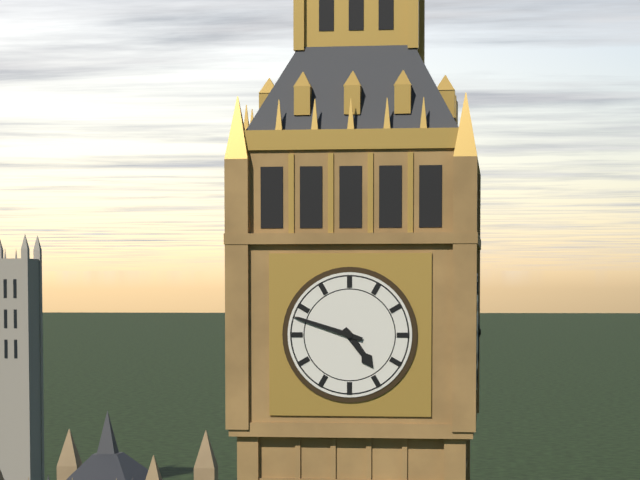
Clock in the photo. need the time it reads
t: 4:48
